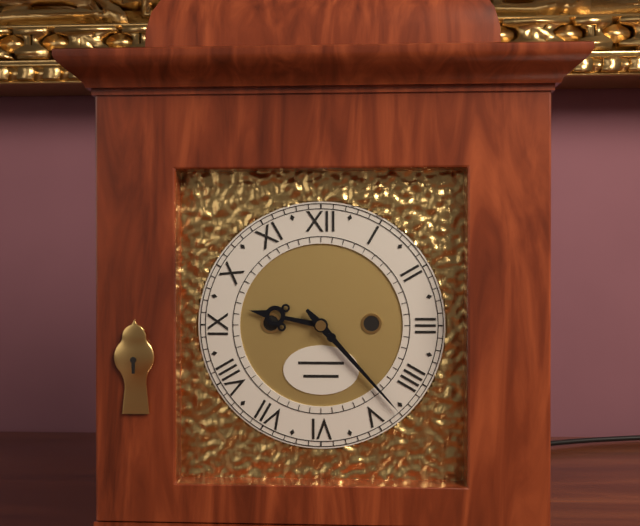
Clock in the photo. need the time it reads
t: 9:23
